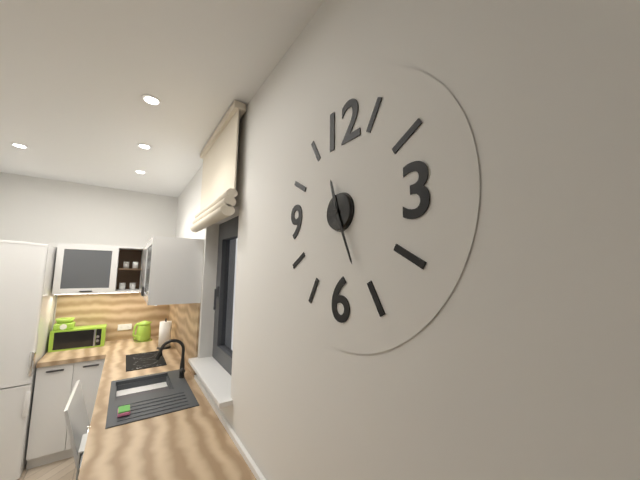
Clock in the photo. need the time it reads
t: 11:26
